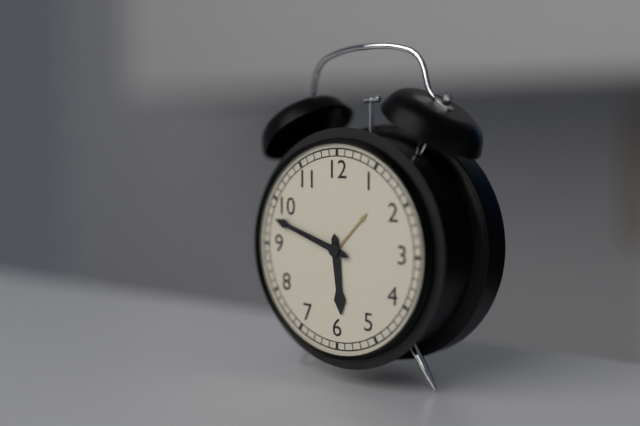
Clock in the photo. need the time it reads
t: 5:48
